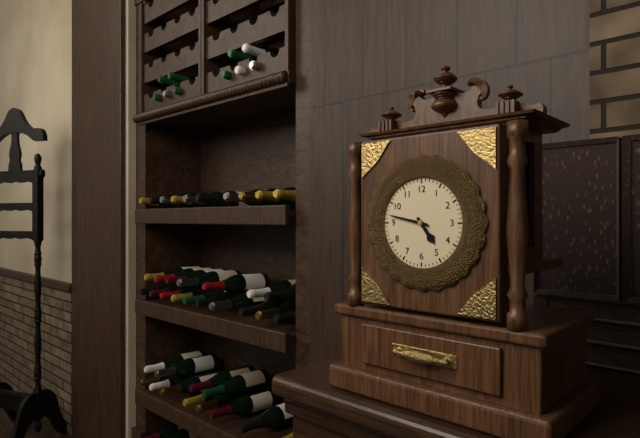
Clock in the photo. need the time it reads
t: 4:47
